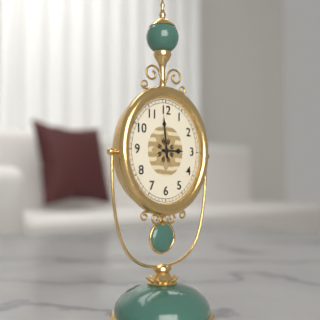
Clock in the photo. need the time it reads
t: 2:59
